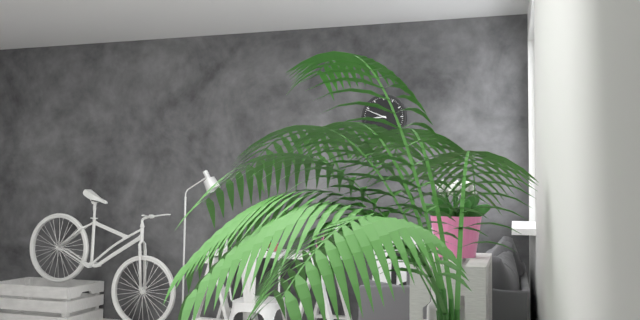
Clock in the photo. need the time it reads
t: 8:49
